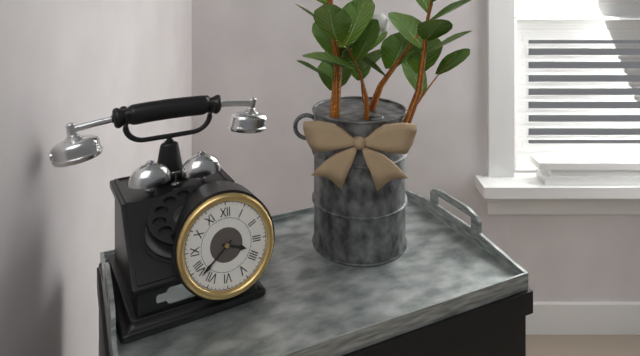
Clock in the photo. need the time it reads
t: 3:38
